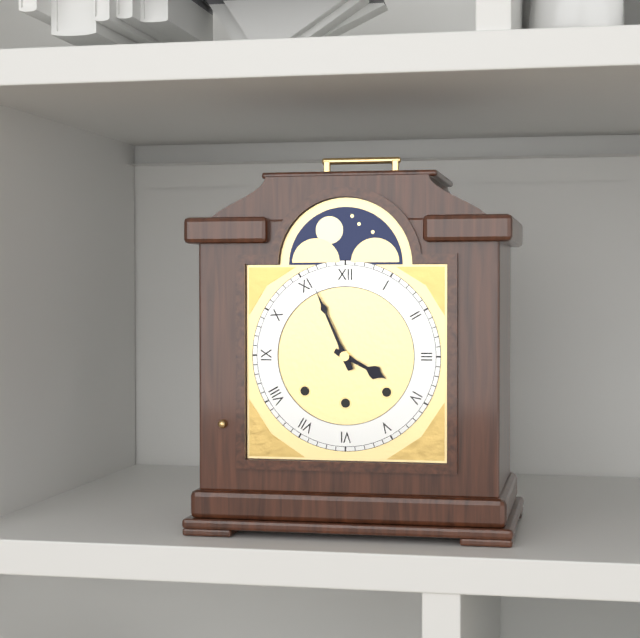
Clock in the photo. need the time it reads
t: 3:56
